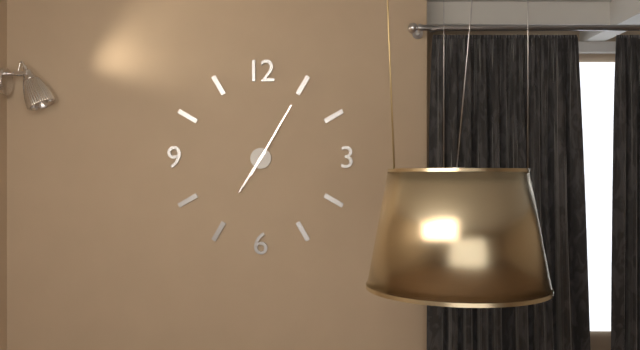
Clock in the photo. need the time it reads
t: 7:05
